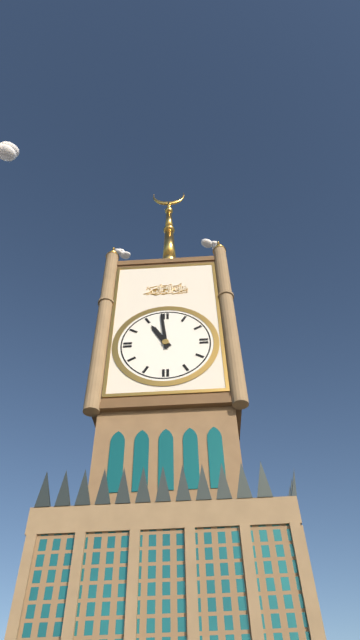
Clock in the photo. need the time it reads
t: 10:59
